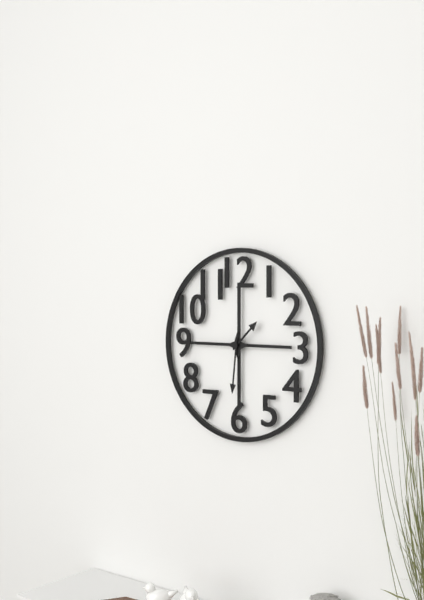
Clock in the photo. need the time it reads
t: 1:31
